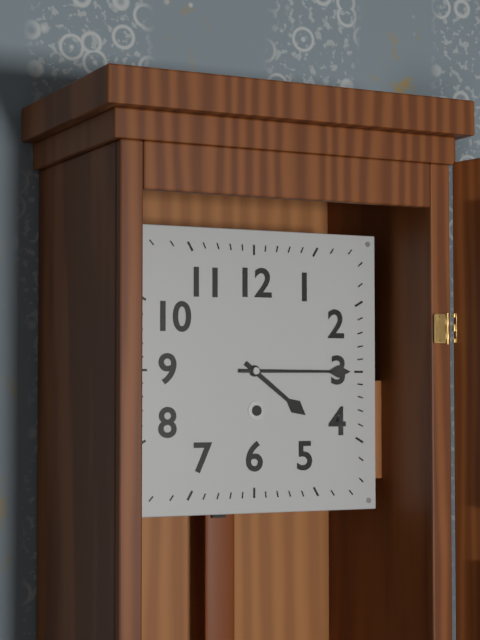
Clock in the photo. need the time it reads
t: 4:15
